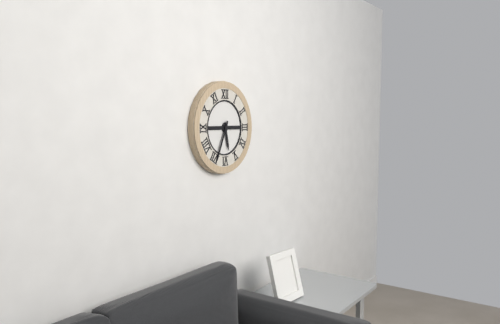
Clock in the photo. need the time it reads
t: 5:34
